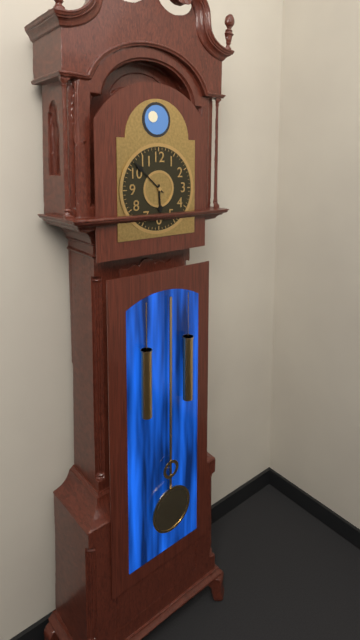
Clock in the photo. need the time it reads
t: 5:52
